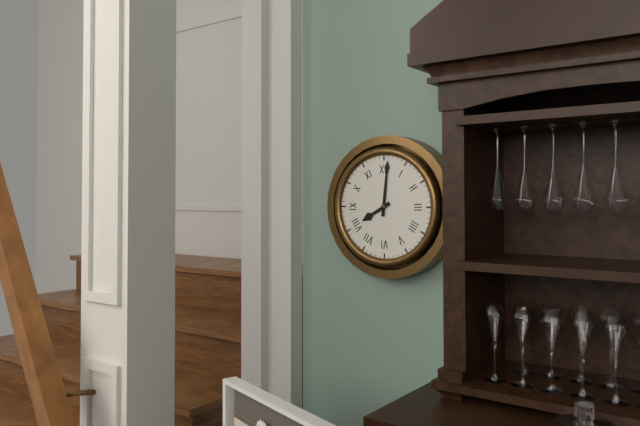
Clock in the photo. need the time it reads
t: 8:01
